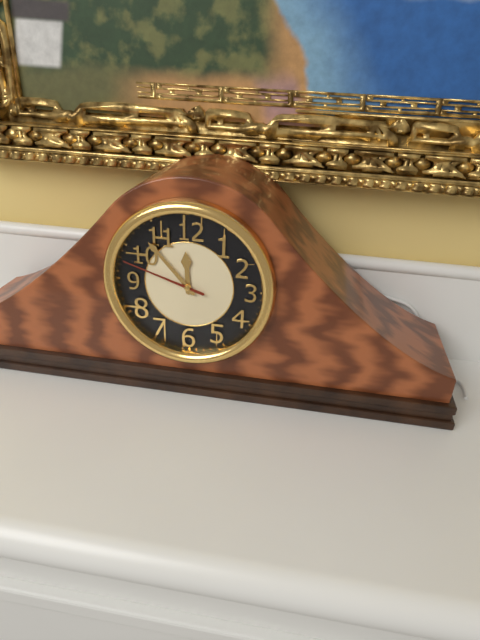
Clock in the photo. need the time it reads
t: 11:53:48
